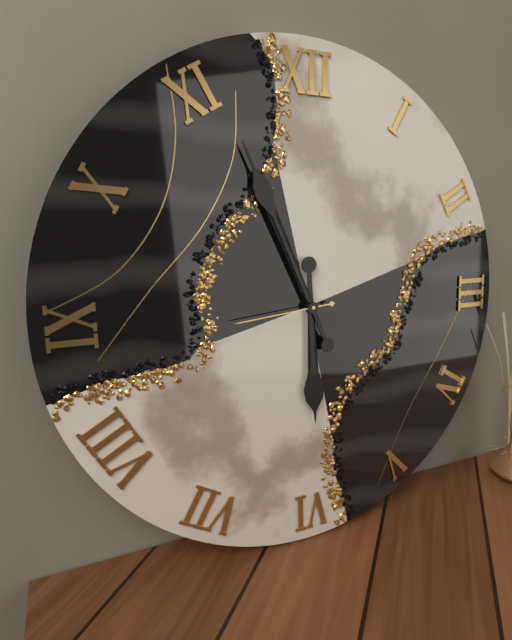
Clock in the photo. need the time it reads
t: 5:56:44
